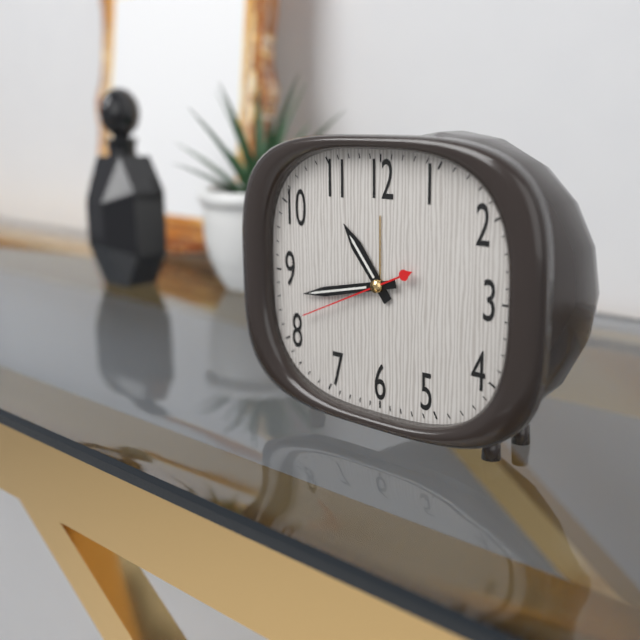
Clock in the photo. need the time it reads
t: 10:43:41
